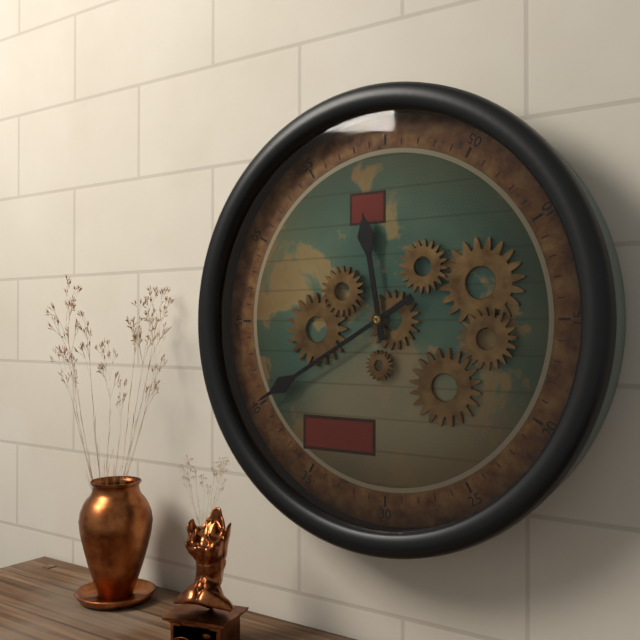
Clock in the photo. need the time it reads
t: 11:40
